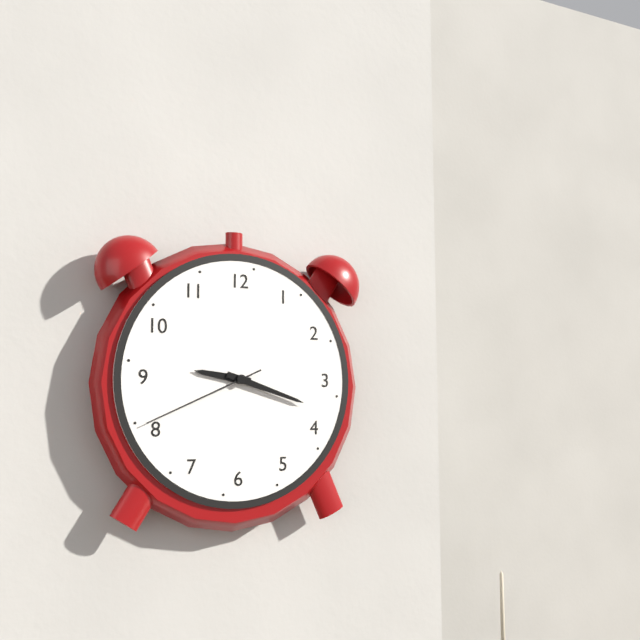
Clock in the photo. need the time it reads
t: 9:18:41
